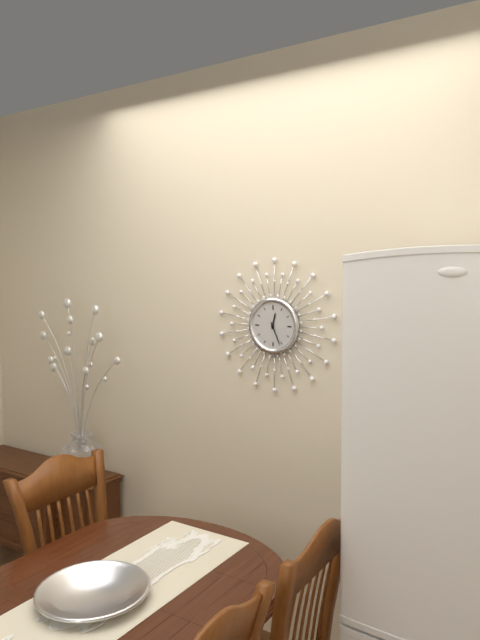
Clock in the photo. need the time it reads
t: 12:26
